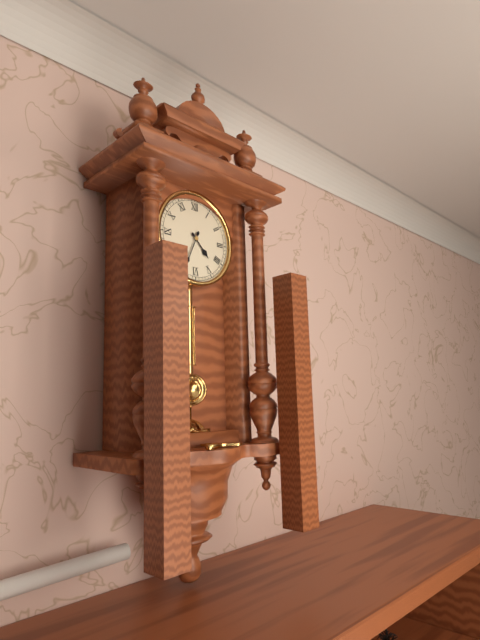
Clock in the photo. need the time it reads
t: 4:34
